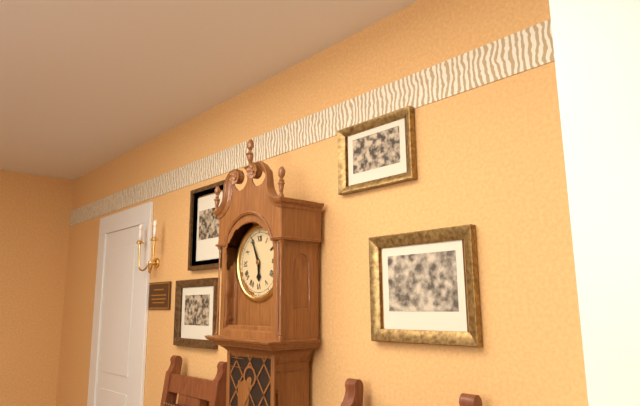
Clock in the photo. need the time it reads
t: 5:56
